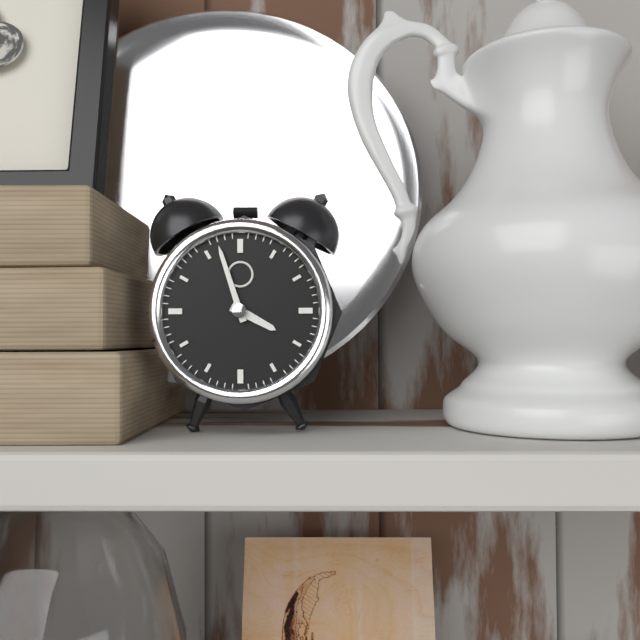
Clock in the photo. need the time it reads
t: 3:57
